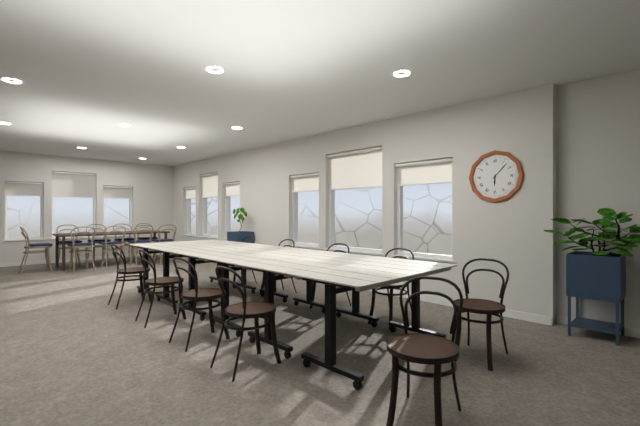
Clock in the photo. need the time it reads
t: 6:07
